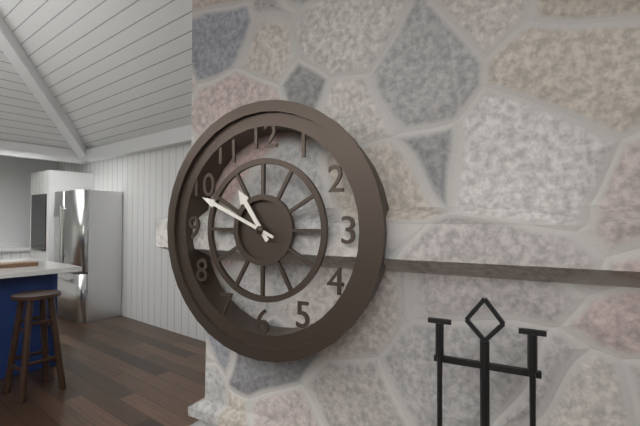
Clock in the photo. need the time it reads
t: 10:49
